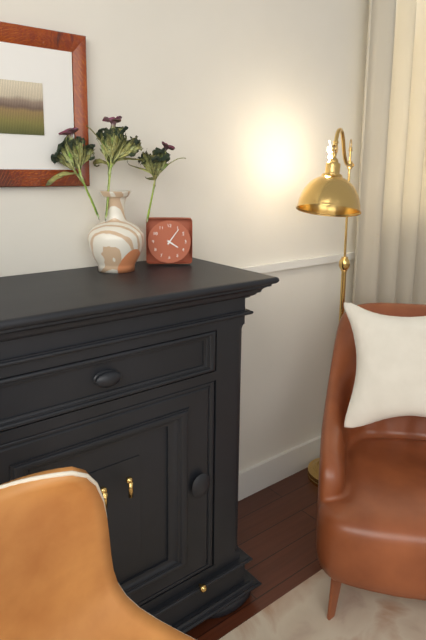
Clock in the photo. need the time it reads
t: 4:06
